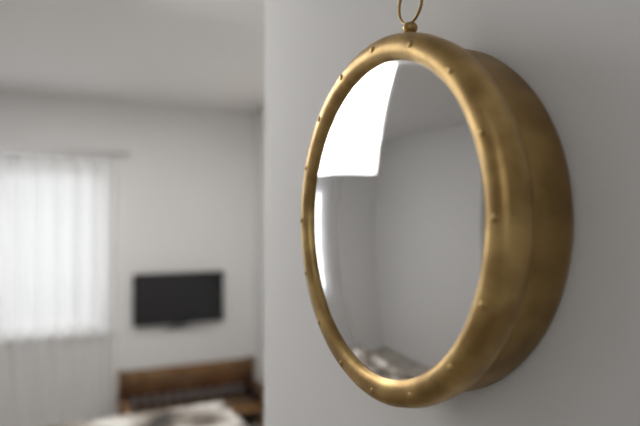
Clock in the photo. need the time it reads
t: 4:28
